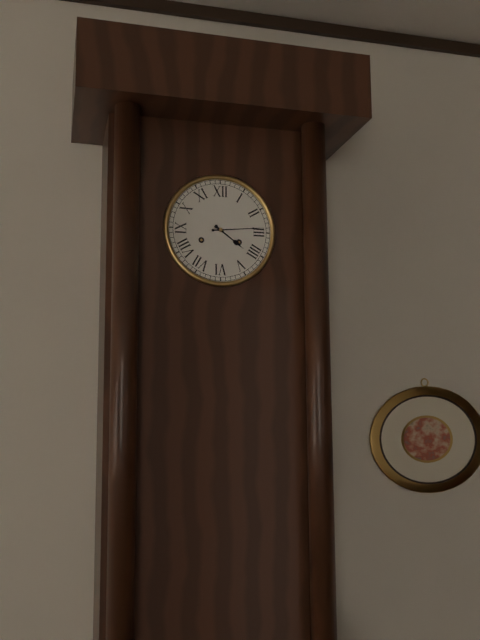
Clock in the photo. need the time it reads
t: 4:14
